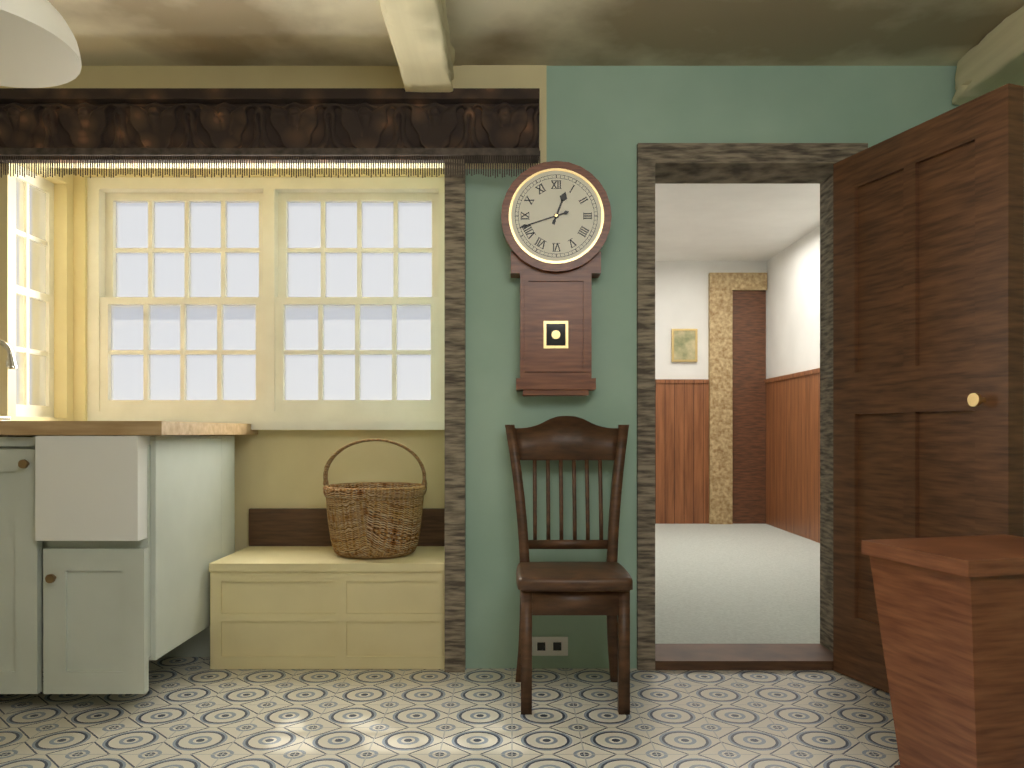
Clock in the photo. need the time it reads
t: 12:42
